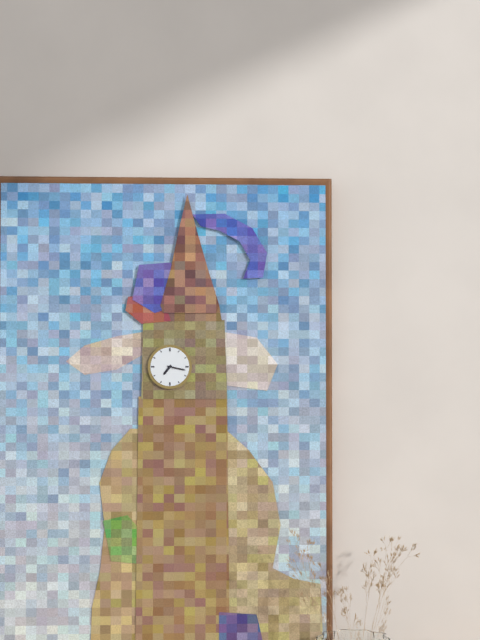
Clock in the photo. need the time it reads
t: 7:17
